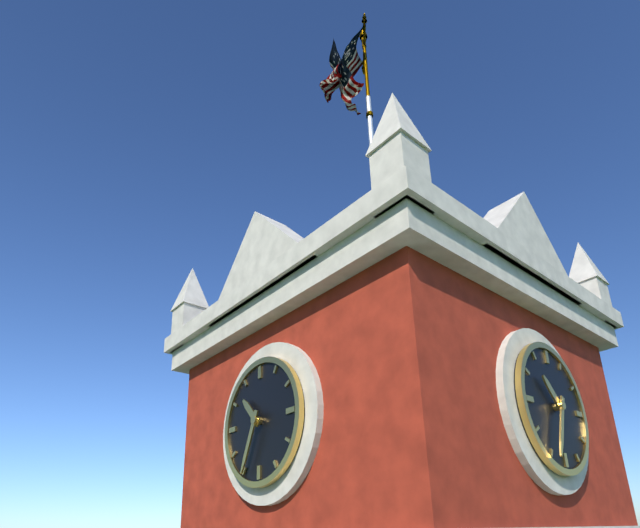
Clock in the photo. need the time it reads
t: 10:34
